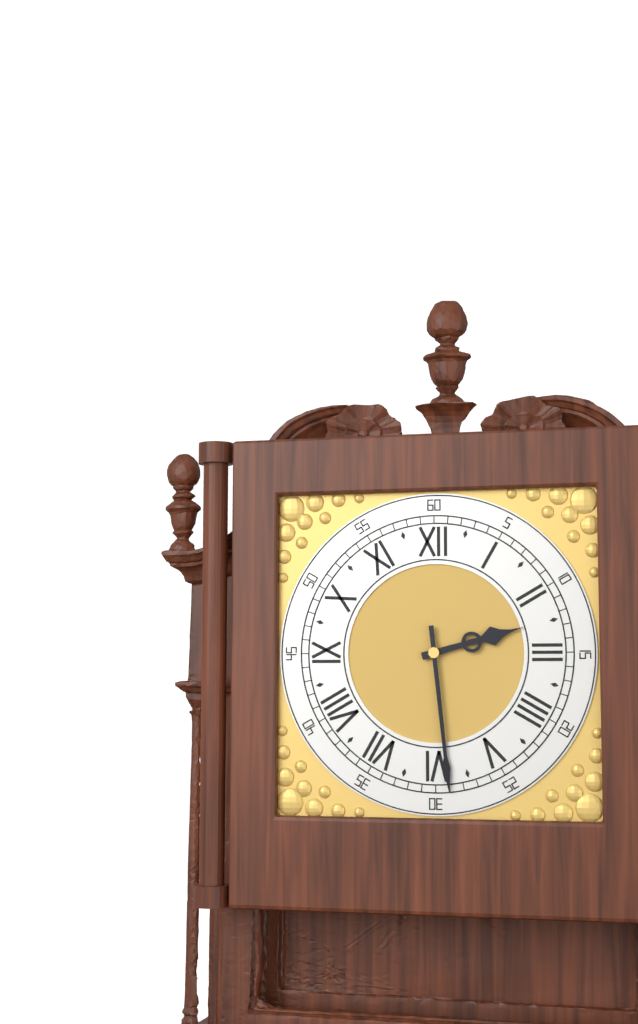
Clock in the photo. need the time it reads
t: 2:29
